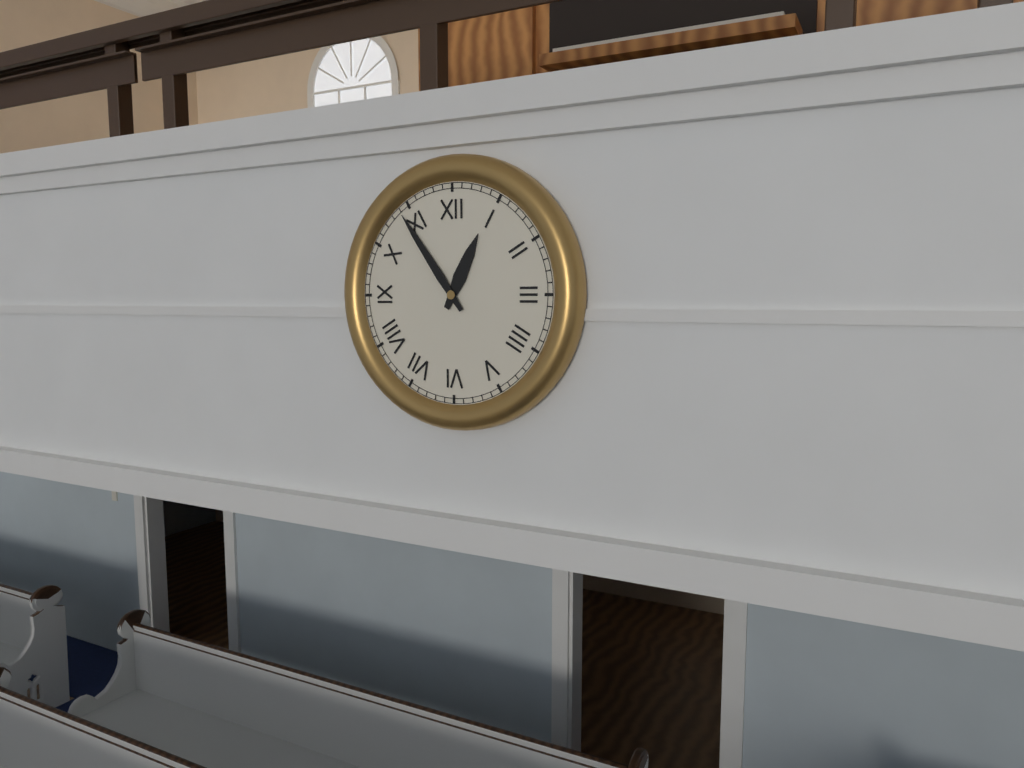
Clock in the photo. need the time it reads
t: 12:54
